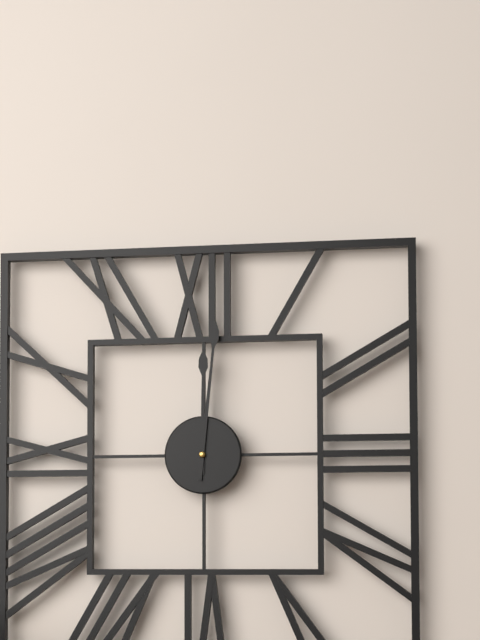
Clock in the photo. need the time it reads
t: 12:01
